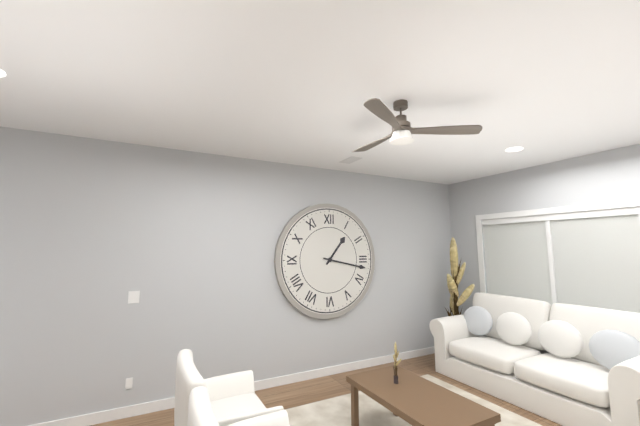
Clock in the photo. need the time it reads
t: 1:17
